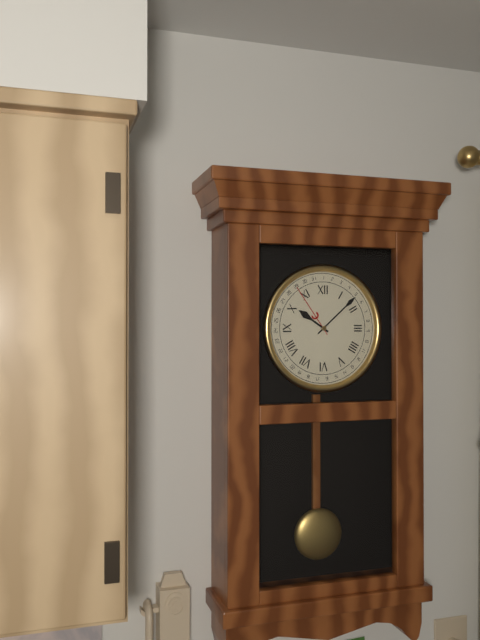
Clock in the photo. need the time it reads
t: 10:08
